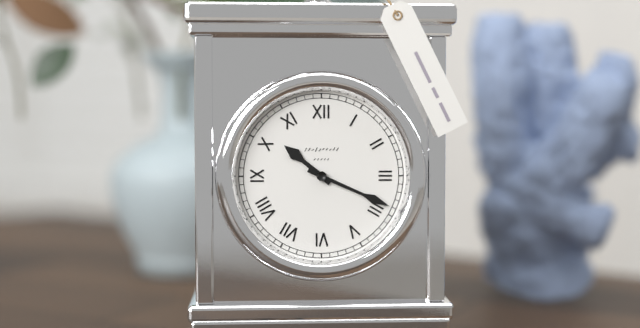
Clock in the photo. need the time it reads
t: 10:19
